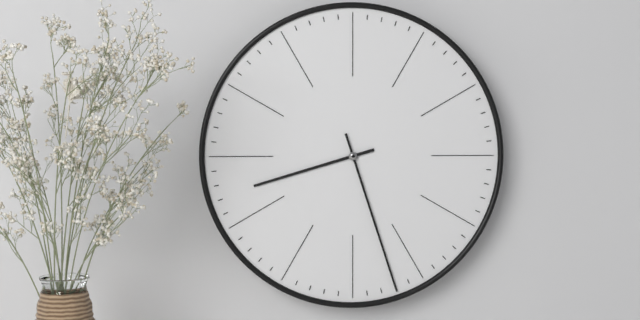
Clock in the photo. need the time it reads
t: 8:27
